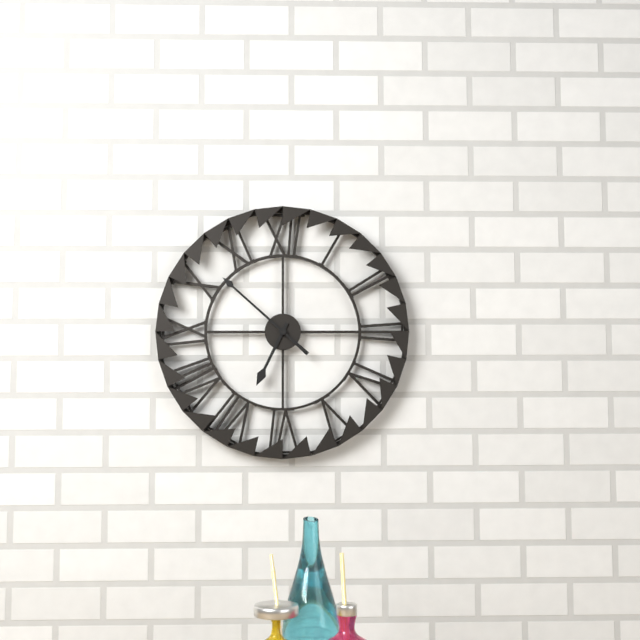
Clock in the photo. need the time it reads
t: 6:52
